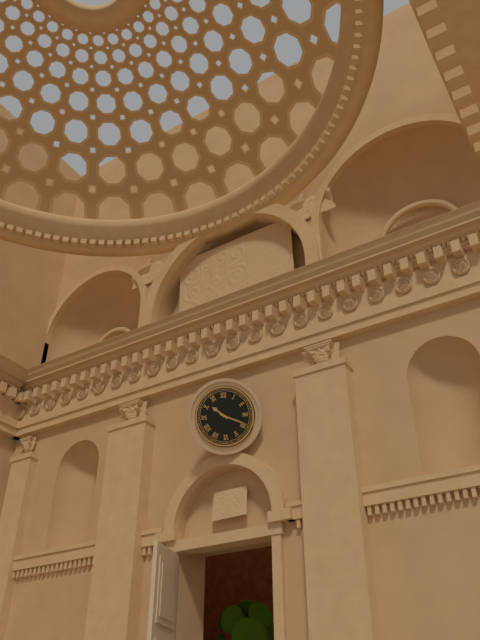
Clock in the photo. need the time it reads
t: 10:19
